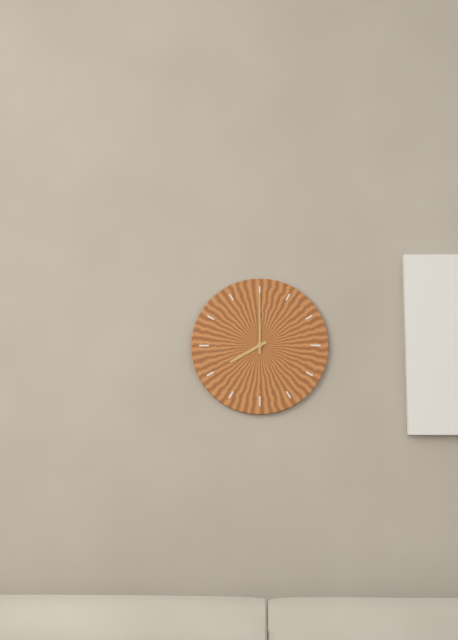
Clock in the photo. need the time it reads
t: 8:00
